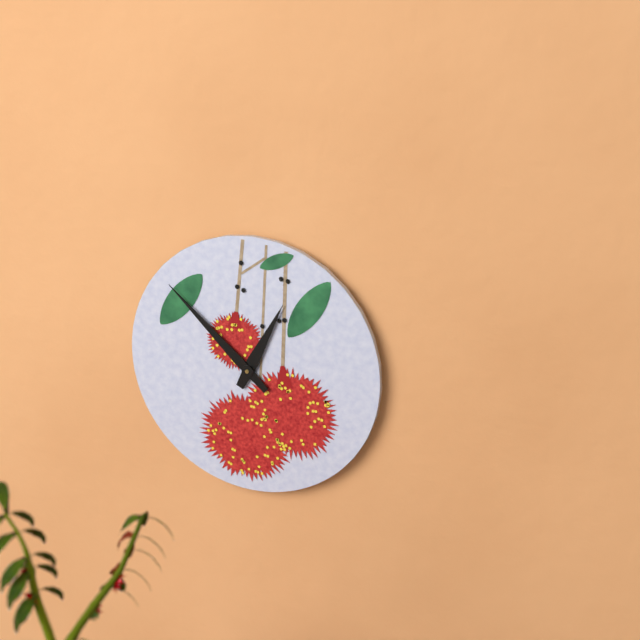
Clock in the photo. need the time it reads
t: 12:52
